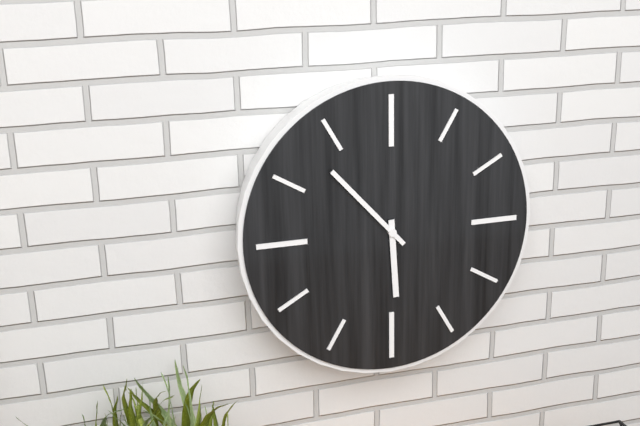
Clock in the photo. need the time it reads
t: 5:53
